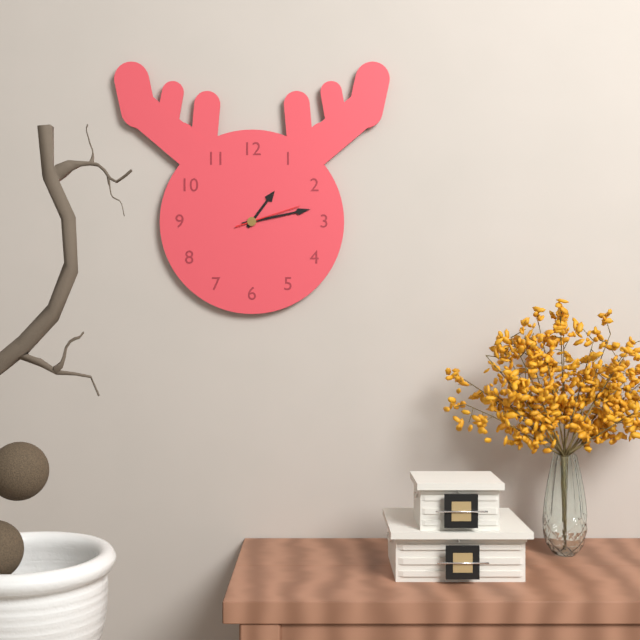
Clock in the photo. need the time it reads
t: 1:13:12
